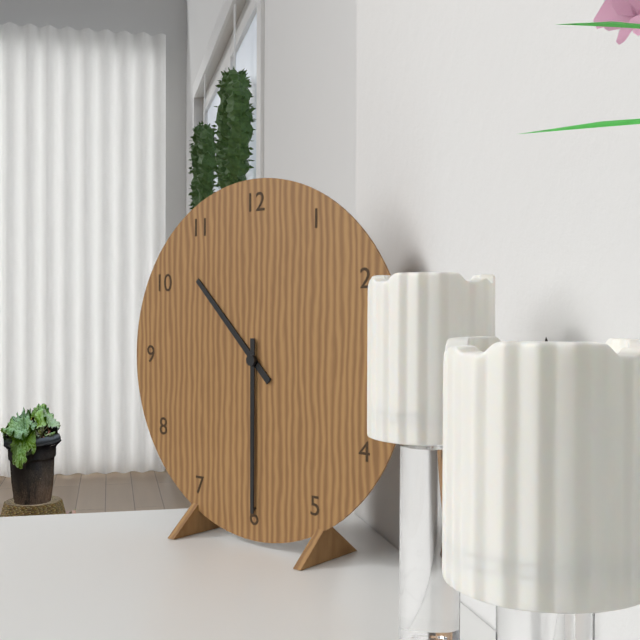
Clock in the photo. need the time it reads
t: 10:30
